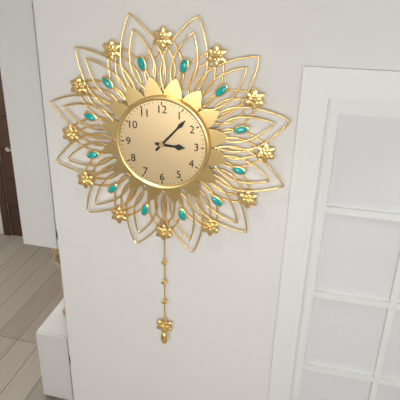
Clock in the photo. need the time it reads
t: 3:07
